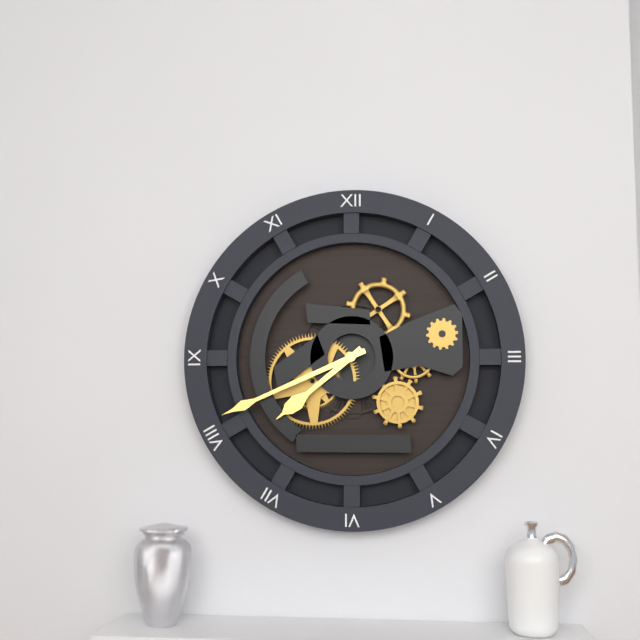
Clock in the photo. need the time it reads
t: 7:41
